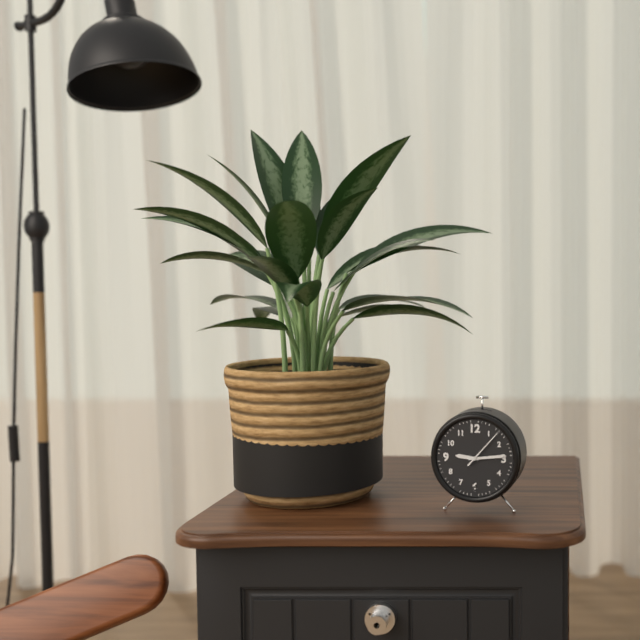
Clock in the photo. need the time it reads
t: 9:14
